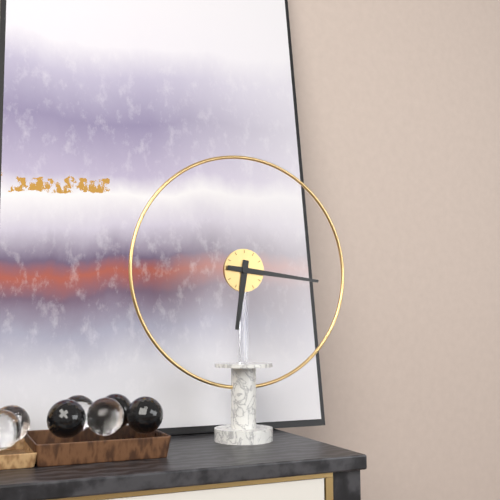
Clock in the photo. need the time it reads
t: 6:16
